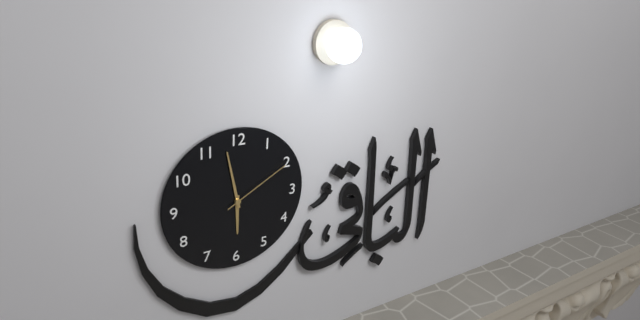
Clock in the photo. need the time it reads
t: 5:58:10
